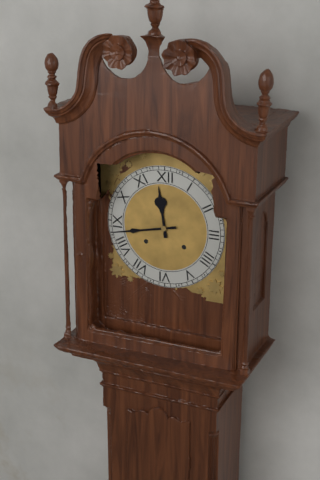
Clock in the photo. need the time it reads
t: 11:43
